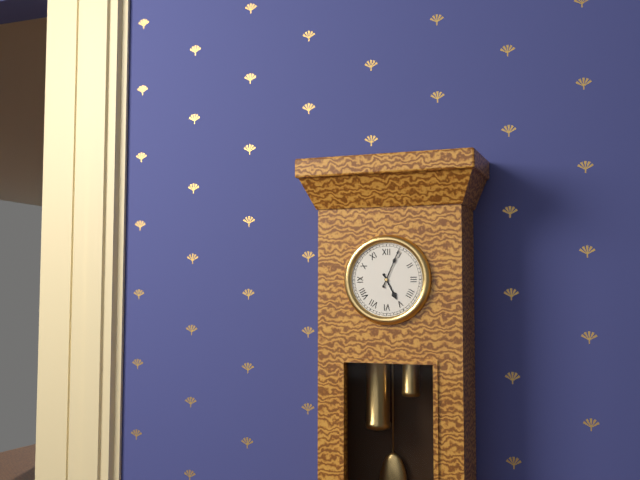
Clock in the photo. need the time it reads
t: 5:04
